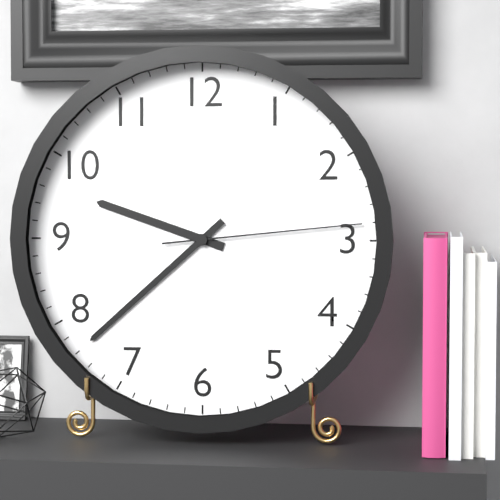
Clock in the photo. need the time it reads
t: 9:38:14
